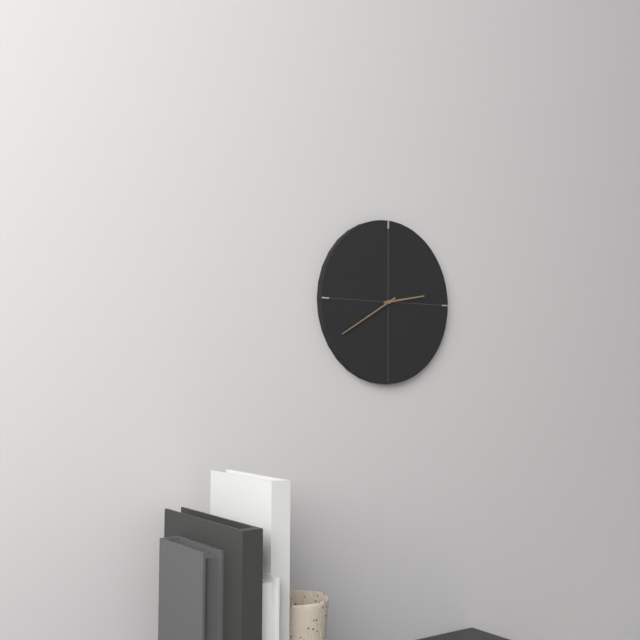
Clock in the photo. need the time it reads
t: 2:40
